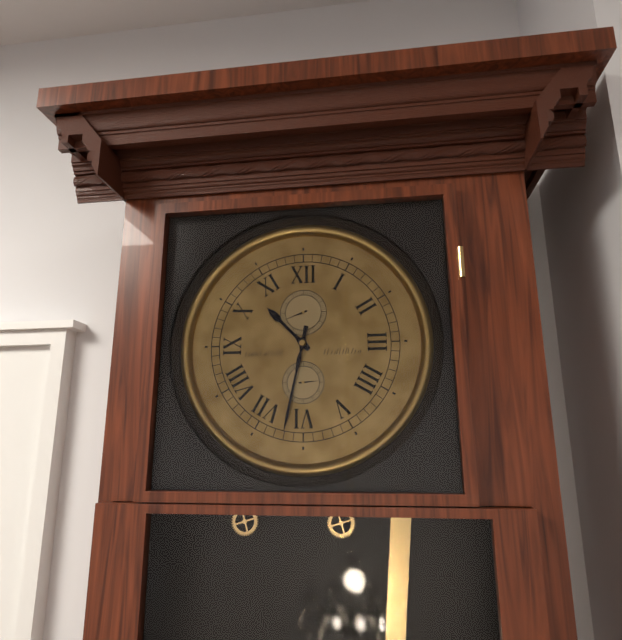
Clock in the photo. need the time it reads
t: 10:32
